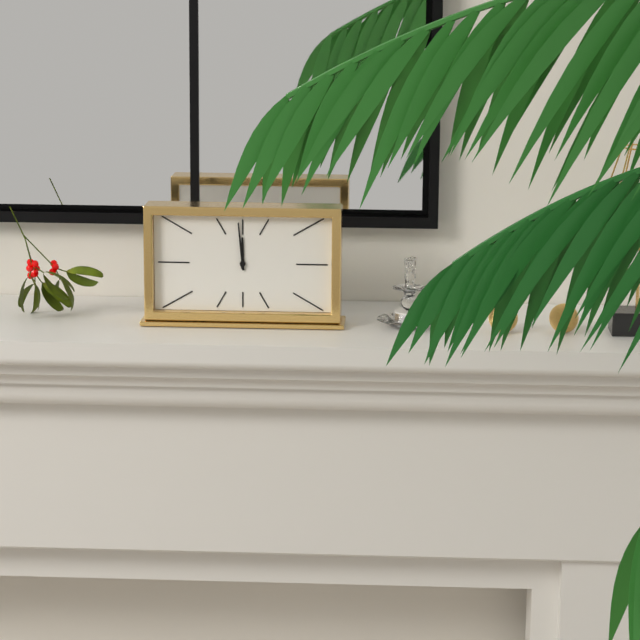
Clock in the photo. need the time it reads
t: 11:59
